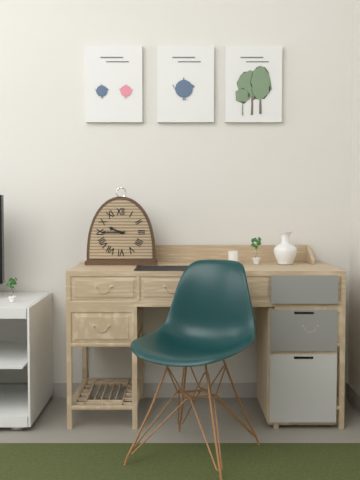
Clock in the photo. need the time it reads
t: 9:45
